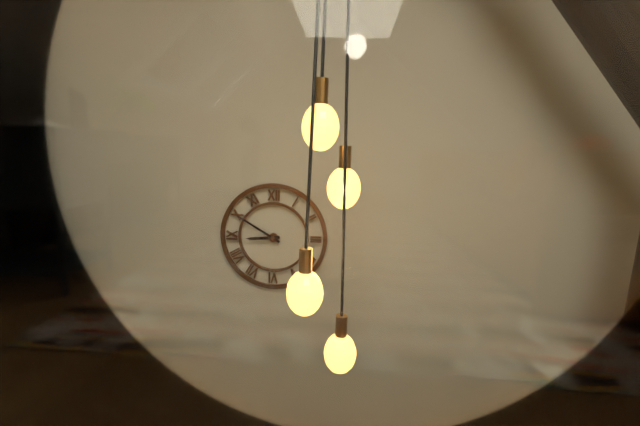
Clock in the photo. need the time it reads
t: 8:50
